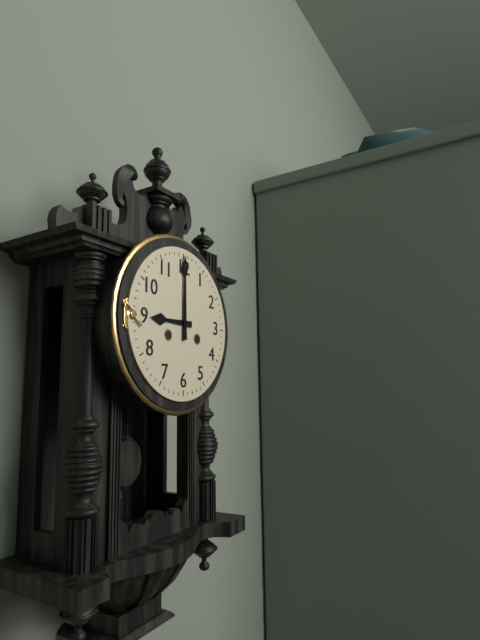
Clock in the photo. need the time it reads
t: 9:00
